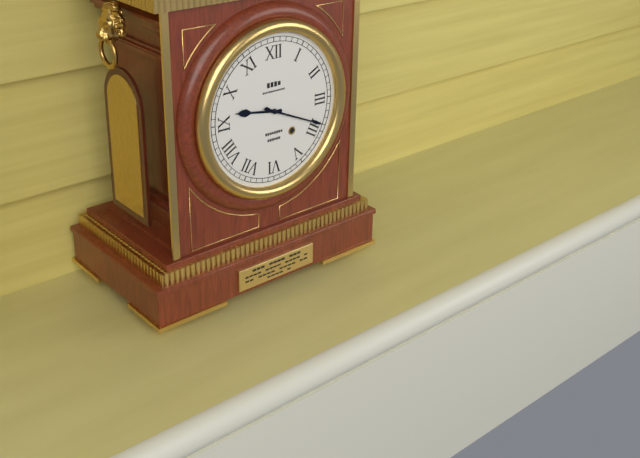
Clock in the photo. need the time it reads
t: 9:19
